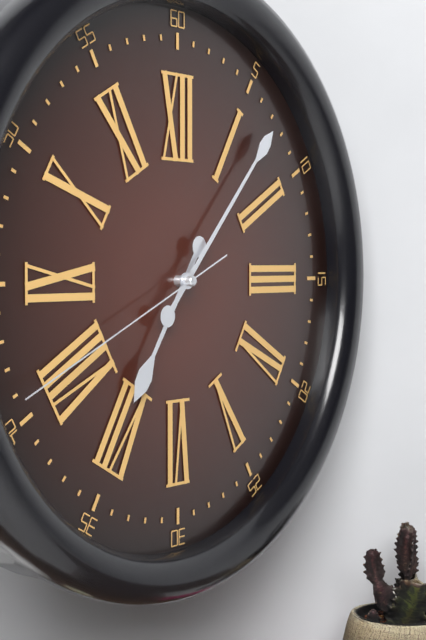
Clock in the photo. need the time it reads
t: 7:07:41
